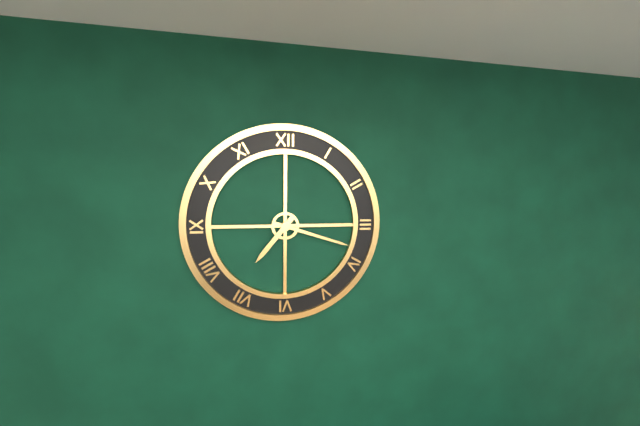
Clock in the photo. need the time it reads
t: 7:18
